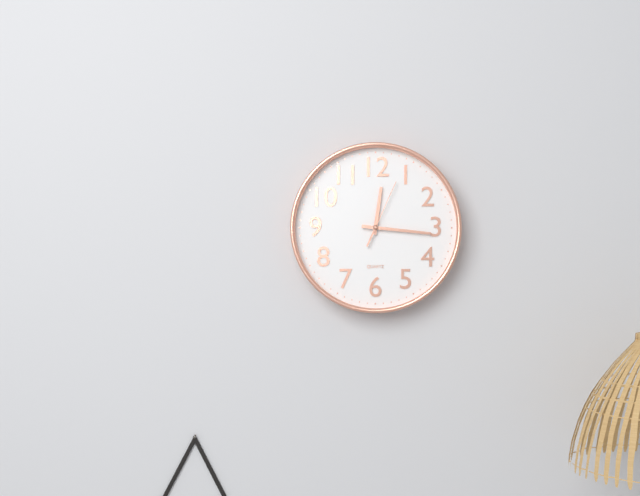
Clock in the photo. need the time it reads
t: 12:16:04
